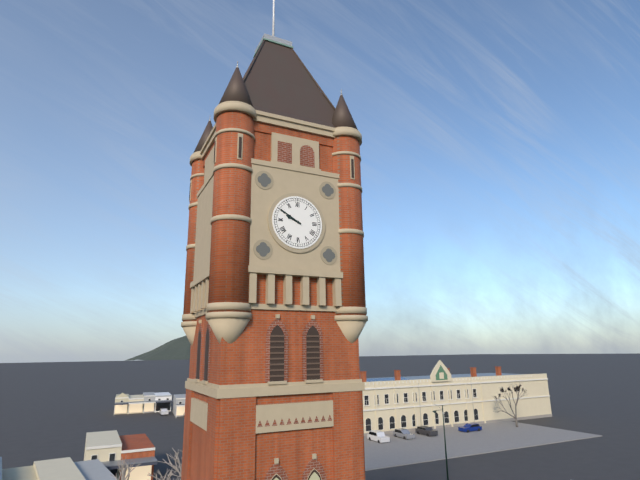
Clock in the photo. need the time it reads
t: 9:50
